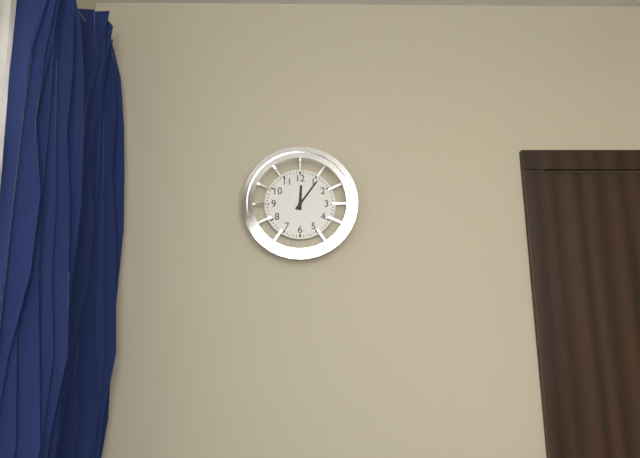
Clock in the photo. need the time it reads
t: 12:06
